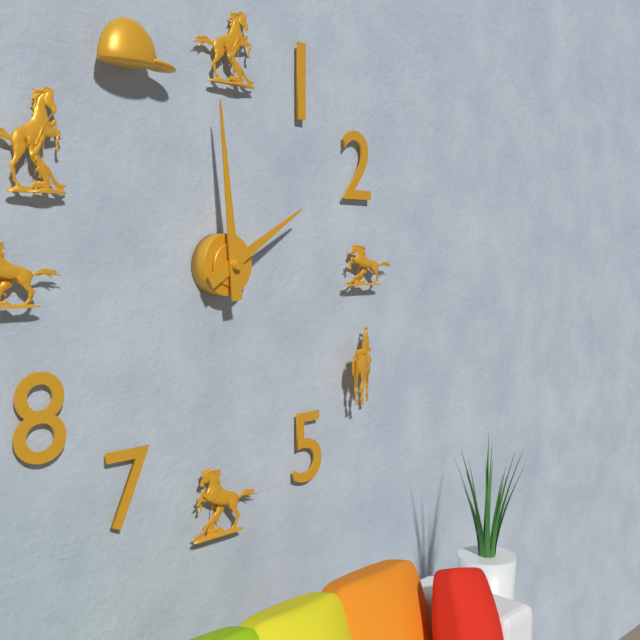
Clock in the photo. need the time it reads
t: 1:59
